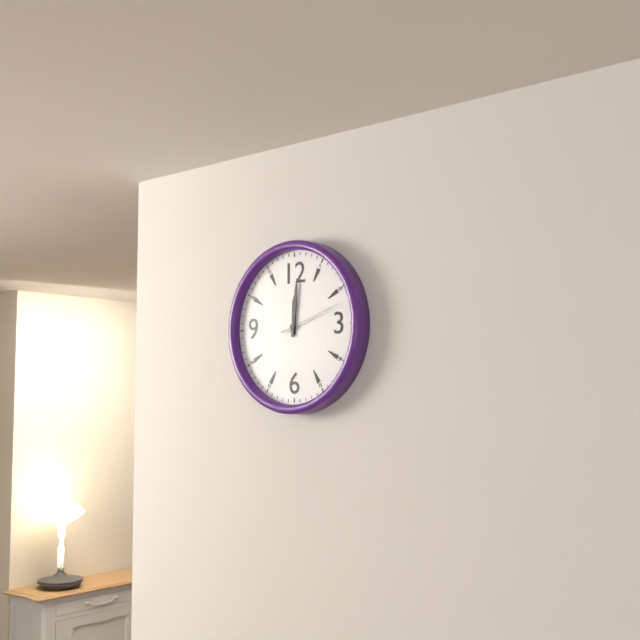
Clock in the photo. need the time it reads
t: 12:01:12
